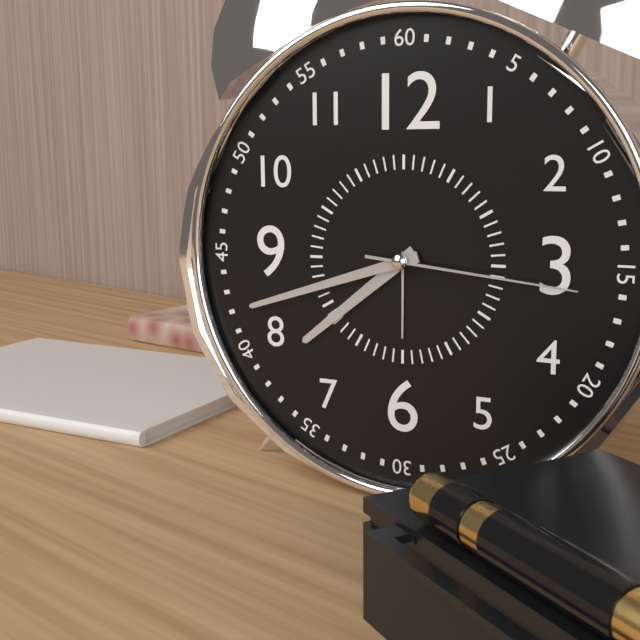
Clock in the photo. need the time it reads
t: 7:42:16
